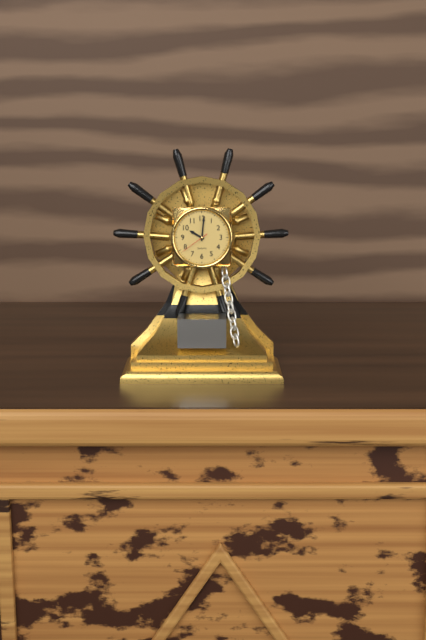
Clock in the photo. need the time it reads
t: 10:01
